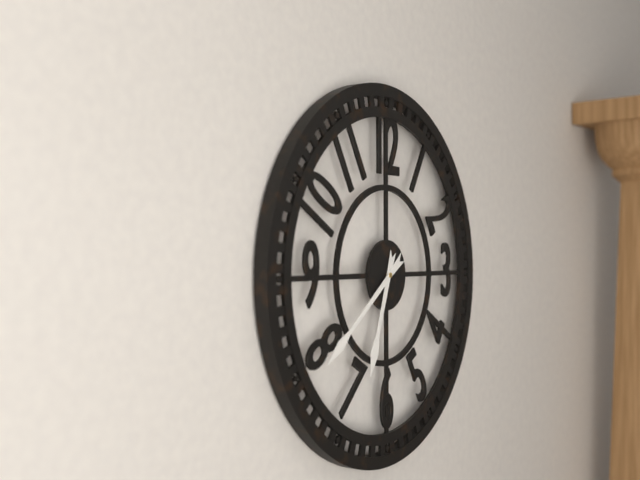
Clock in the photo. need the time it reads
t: 6:39
